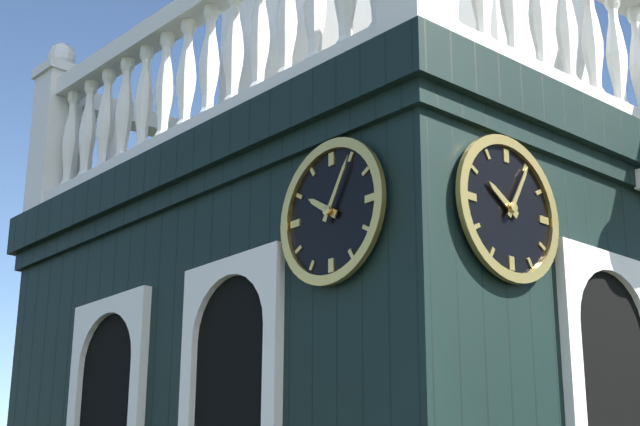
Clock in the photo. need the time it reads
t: 10:05
